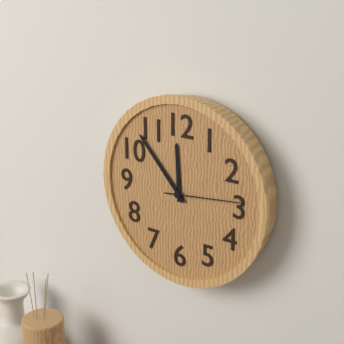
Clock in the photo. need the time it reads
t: 11:53:14
